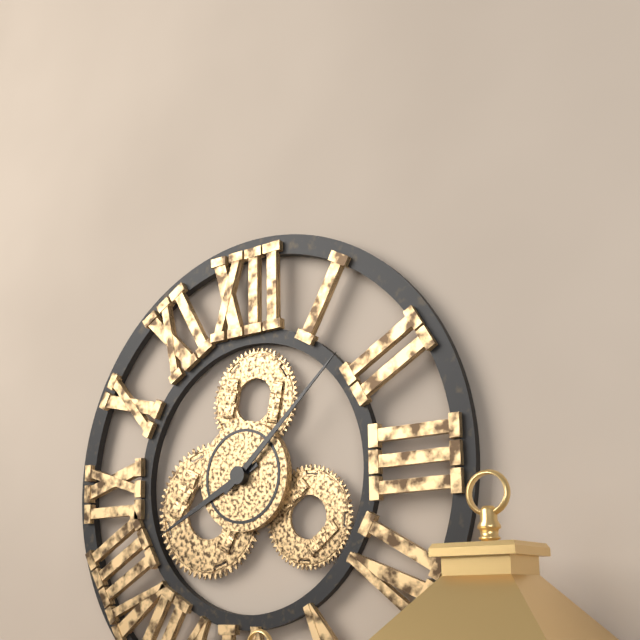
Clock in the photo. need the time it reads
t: 8:08
